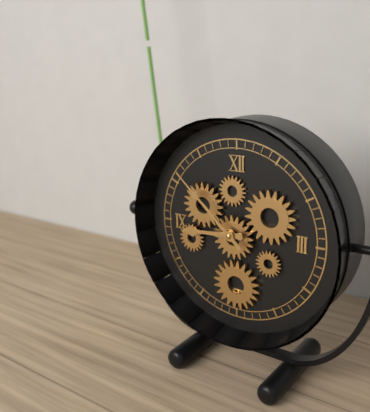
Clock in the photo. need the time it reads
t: 8:52
